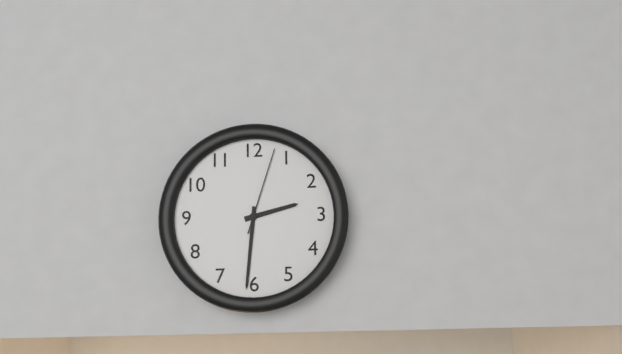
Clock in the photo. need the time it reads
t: 2:31:03
